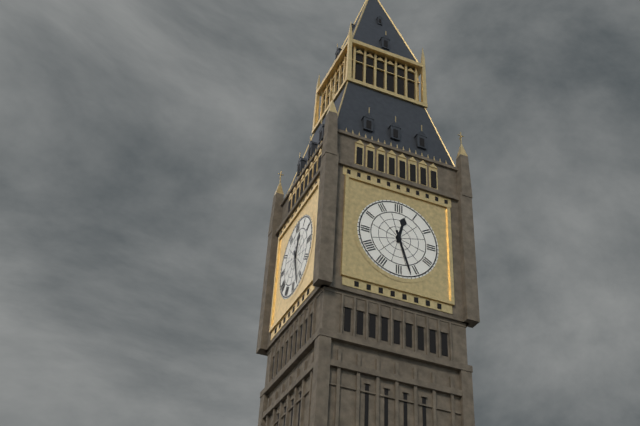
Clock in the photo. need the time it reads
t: 12:27
